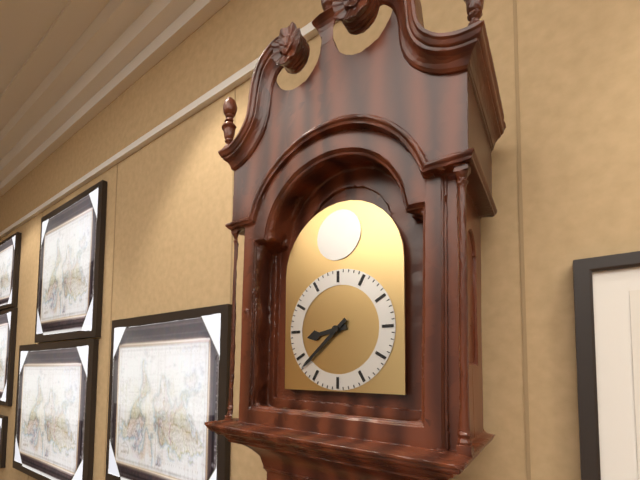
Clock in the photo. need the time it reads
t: 8:38
